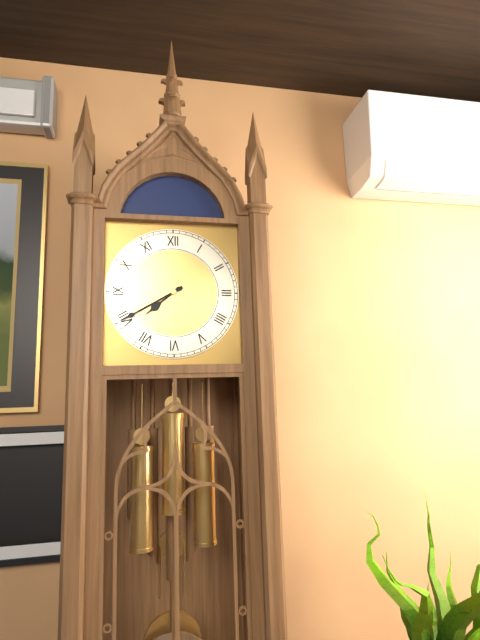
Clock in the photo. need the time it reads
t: 7:40
